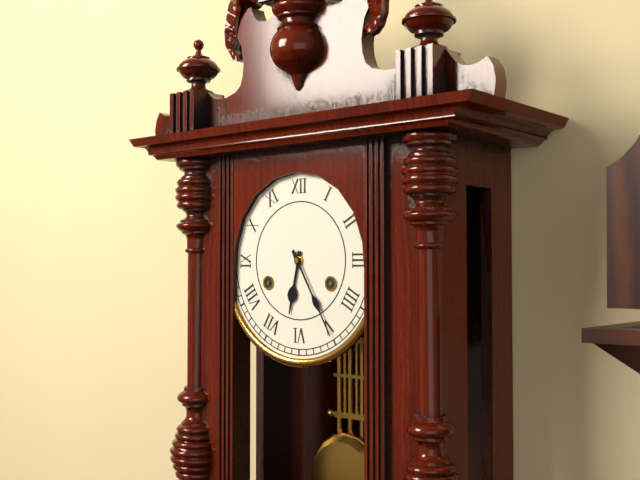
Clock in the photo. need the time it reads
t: 6:25
